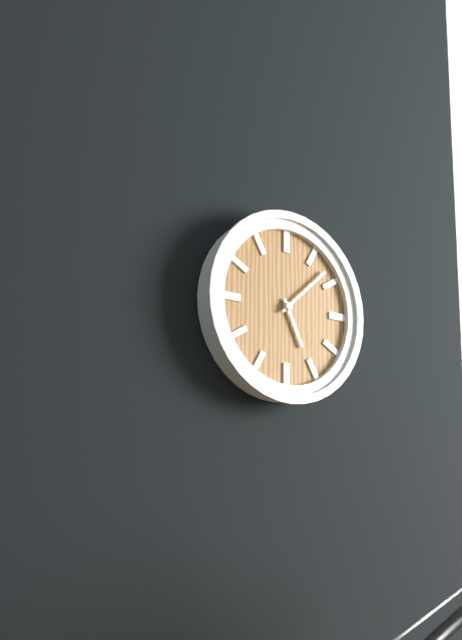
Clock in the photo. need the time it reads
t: 5:08
